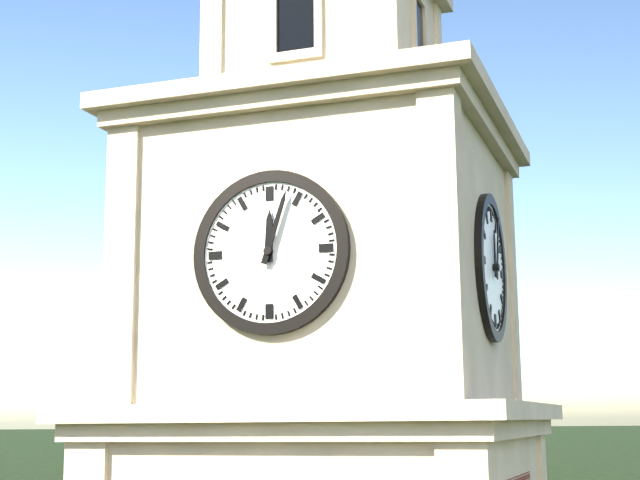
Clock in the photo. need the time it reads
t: 12:03
